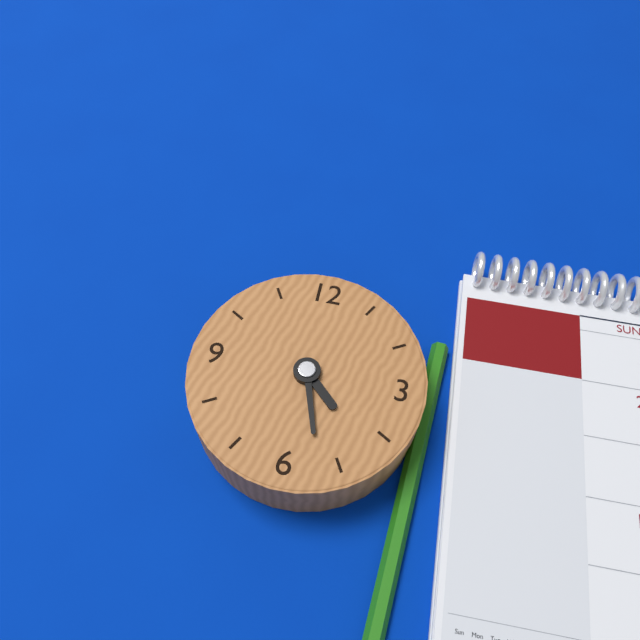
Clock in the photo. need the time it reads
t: 4:27
